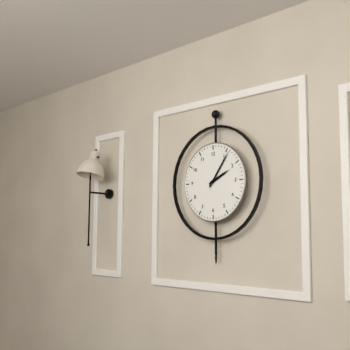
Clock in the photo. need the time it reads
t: 2:06
